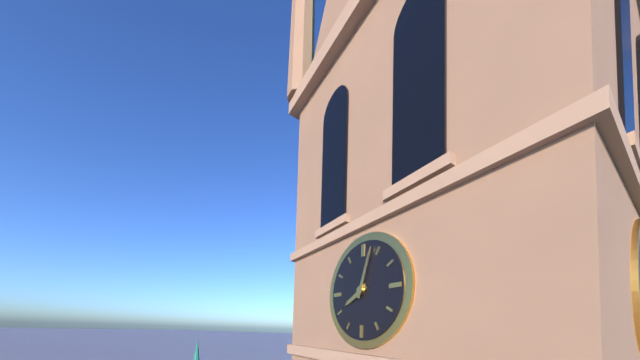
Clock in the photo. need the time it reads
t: 8:03
